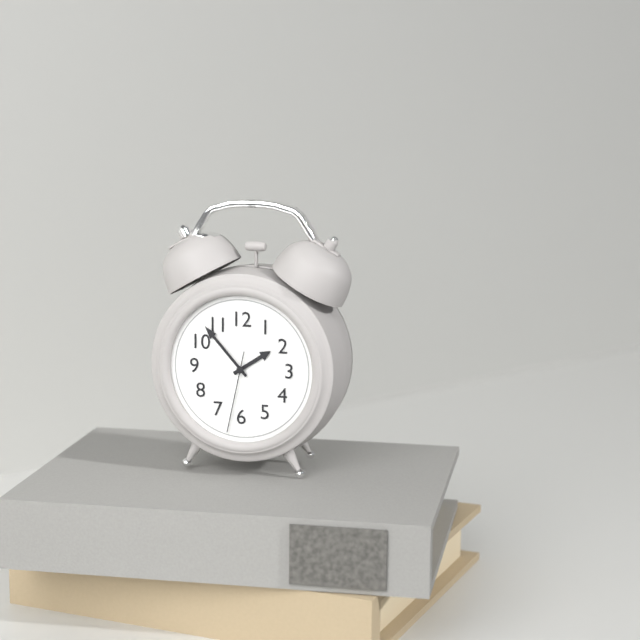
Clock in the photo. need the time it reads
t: 1:53:32
